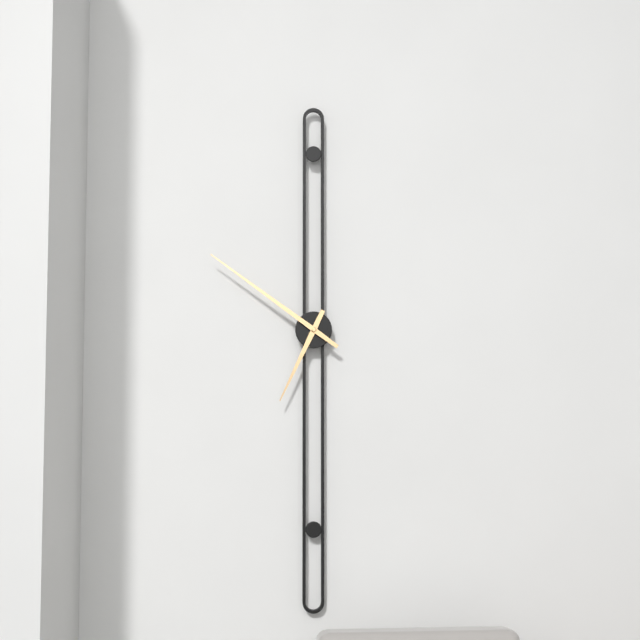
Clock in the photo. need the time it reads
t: 6:51
